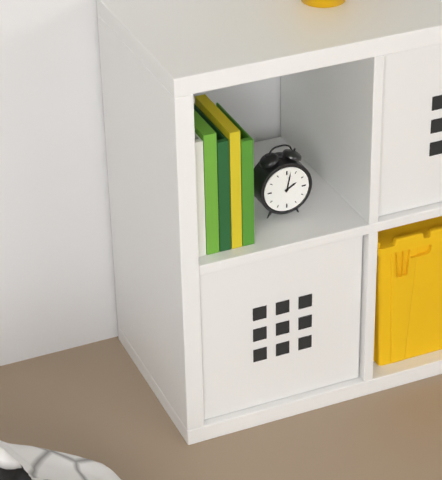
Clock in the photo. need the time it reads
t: 2:02
